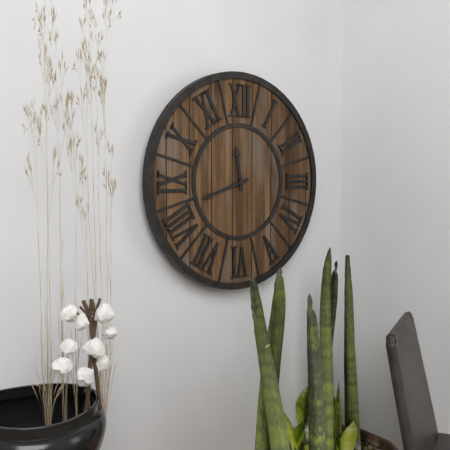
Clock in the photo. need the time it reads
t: 11:42
